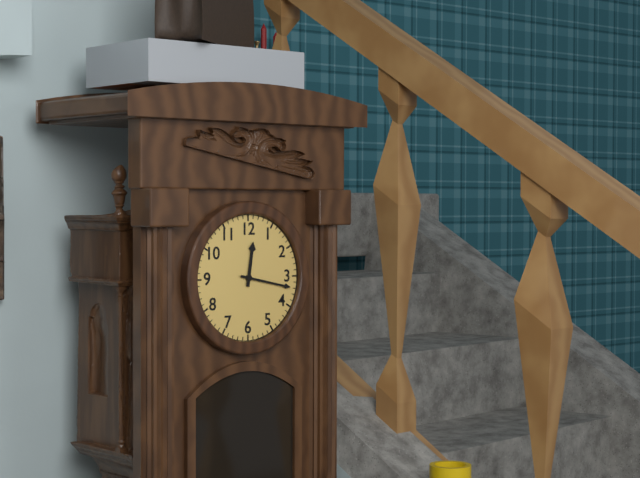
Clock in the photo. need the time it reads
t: 12:17
